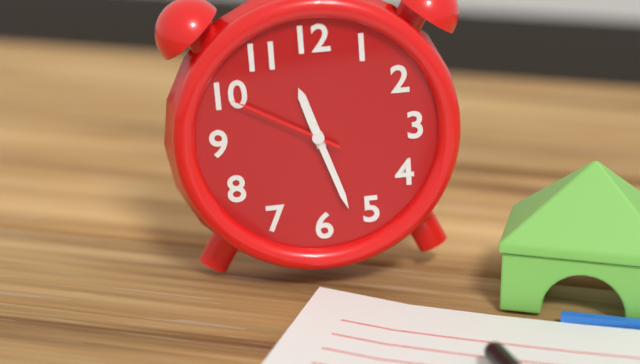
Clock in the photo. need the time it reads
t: 11:27:50
